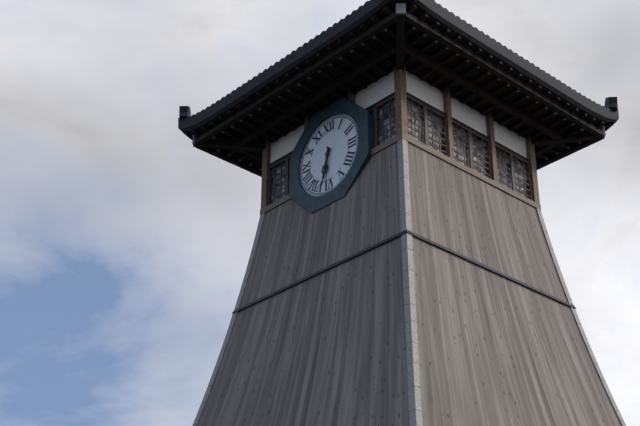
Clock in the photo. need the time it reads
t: 6:32
